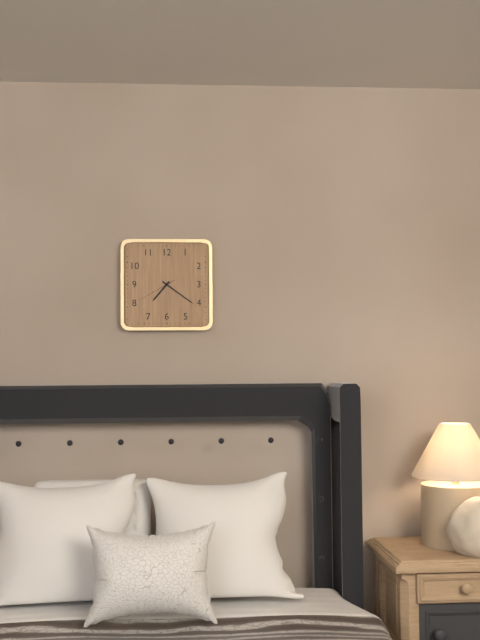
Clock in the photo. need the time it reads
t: 7:21
